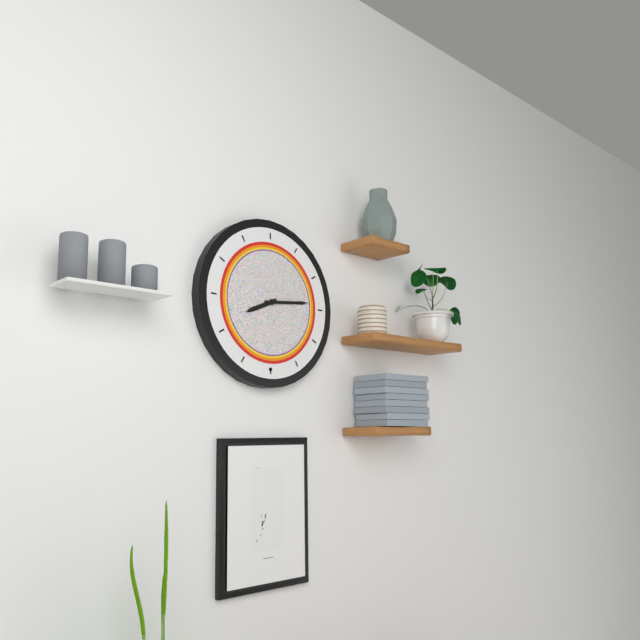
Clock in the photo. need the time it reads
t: 8:14
